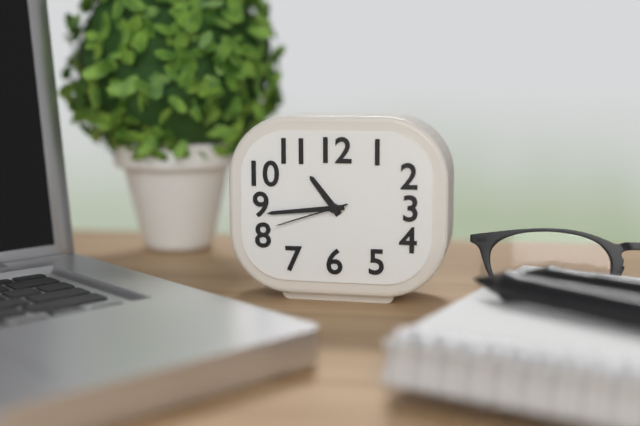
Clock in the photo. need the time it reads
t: 10:44:42
